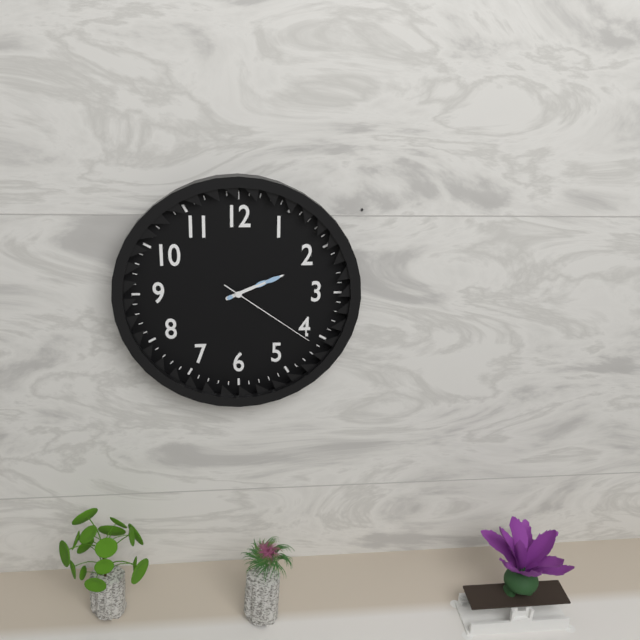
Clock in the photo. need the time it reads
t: 2:11:21
